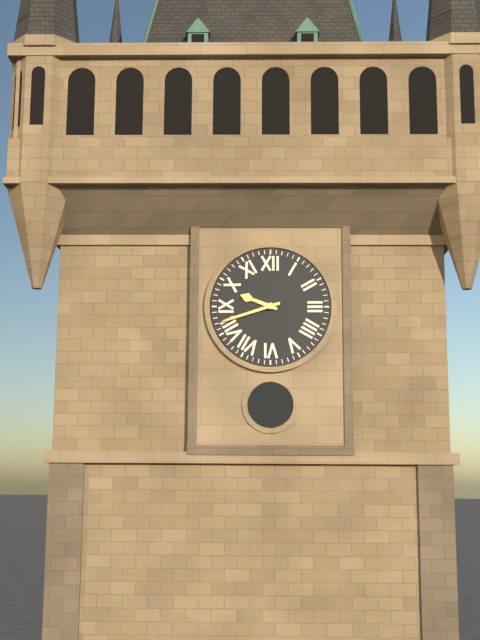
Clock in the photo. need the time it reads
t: 9:42
